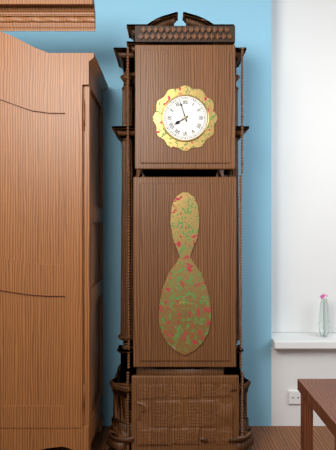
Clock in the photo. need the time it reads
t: 7:57
